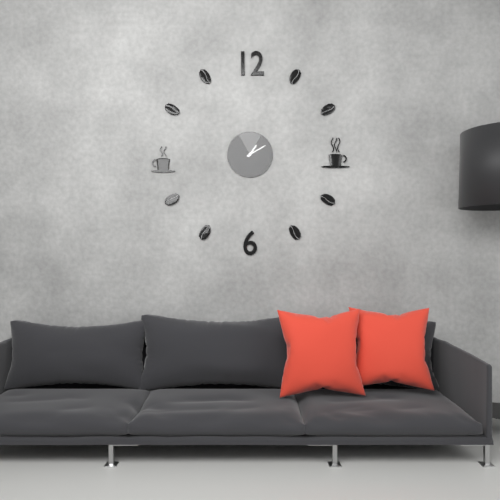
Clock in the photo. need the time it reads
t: 1:10
